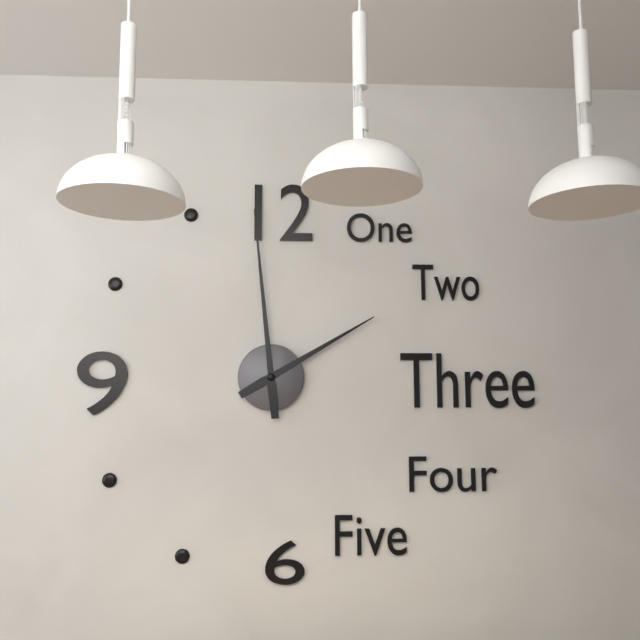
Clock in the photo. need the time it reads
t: 1:59
